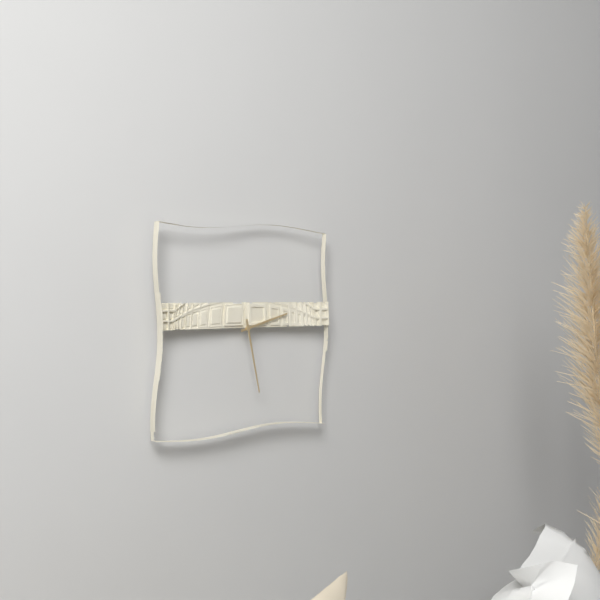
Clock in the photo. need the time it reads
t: 2:28
